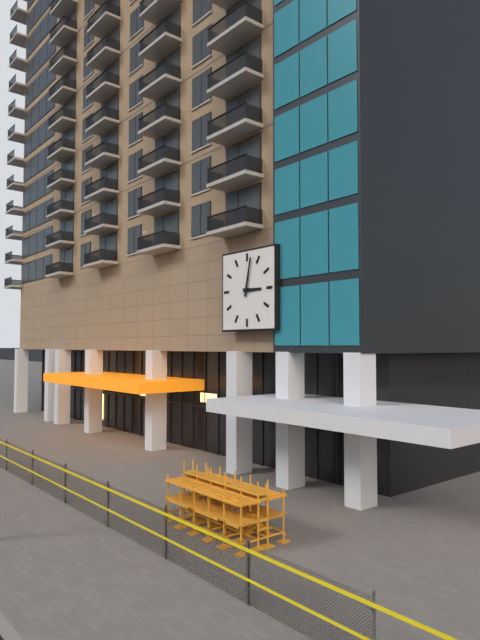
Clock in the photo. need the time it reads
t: 3:02
